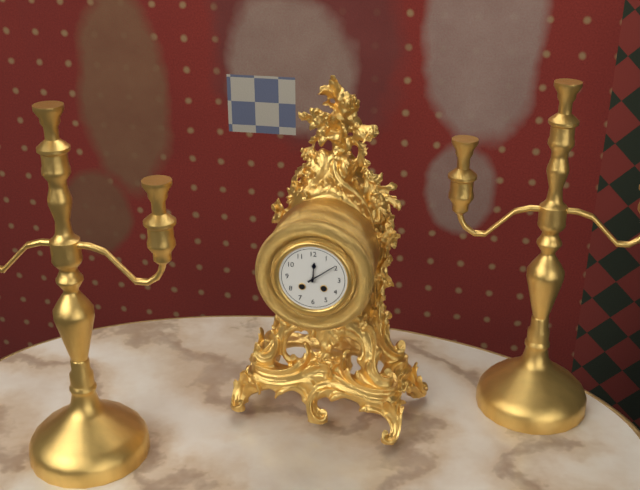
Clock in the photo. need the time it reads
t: 12:09
